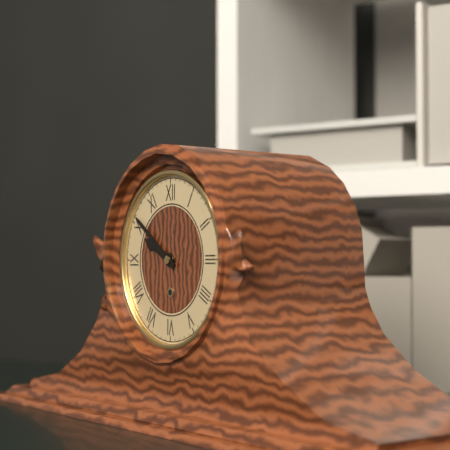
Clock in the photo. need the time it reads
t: 9:51
